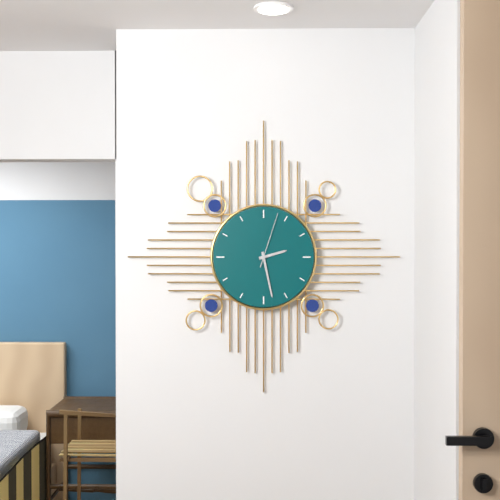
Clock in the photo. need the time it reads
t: 2:28:03
